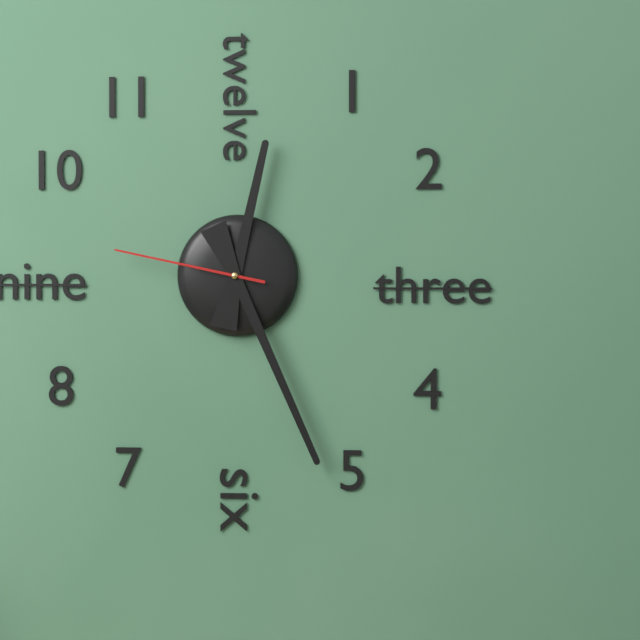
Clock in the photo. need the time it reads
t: 12:26:47
